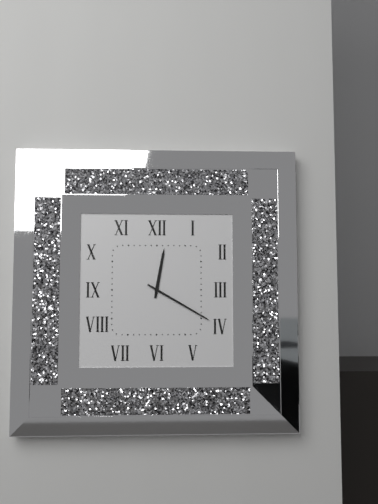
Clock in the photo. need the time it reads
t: 12:20
